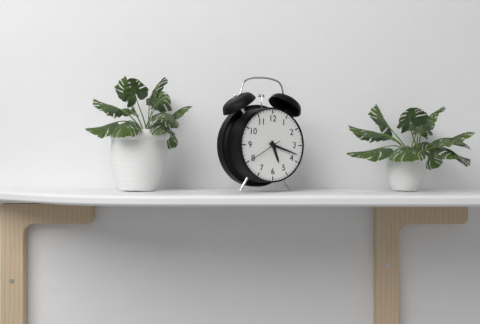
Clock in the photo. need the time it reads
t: 5:18
